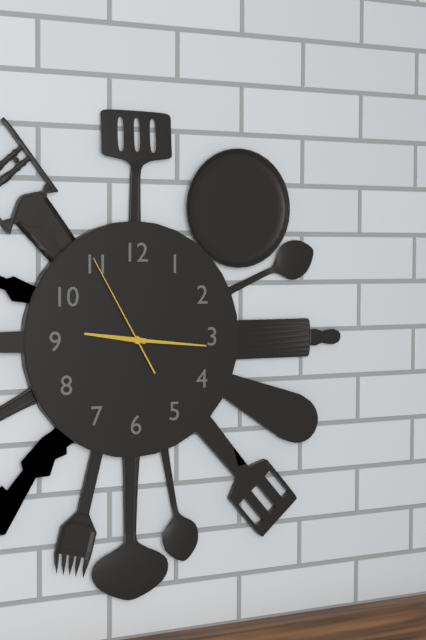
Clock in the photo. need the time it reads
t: 9:16:55
